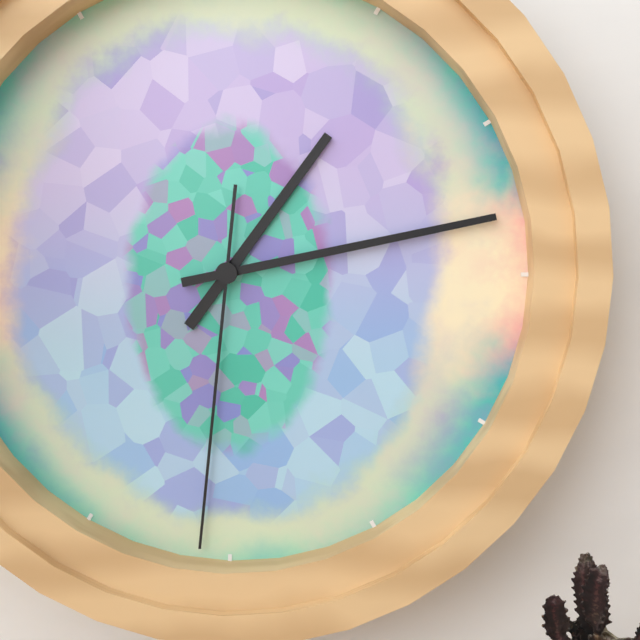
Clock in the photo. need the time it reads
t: 1:13:31
